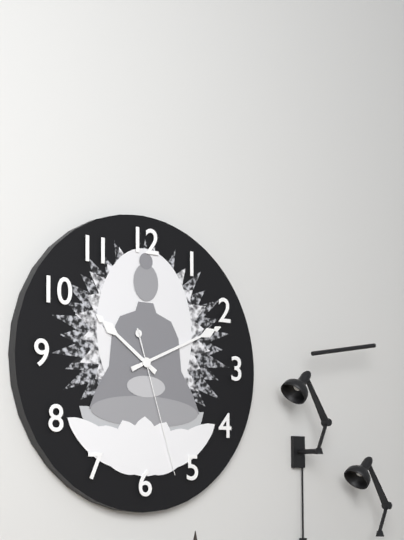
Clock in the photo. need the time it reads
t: 10:11:27
